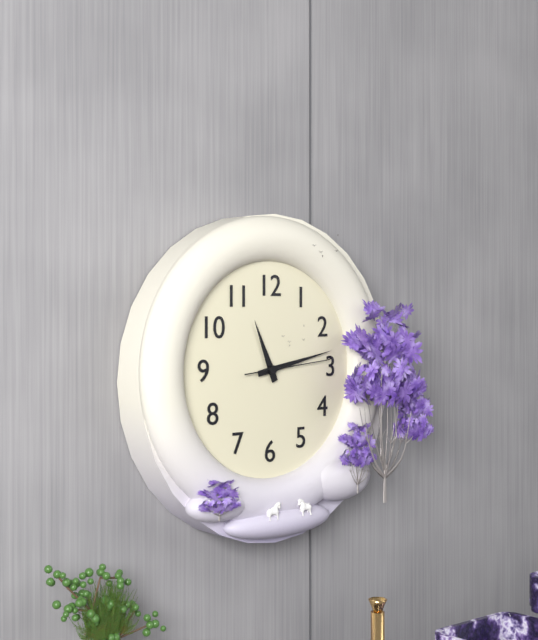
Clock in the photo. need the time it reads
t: 11:13:14
